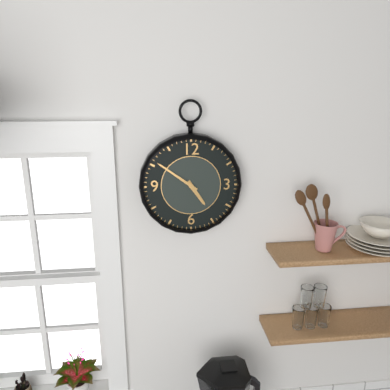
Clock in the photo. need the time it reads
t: 4:51
